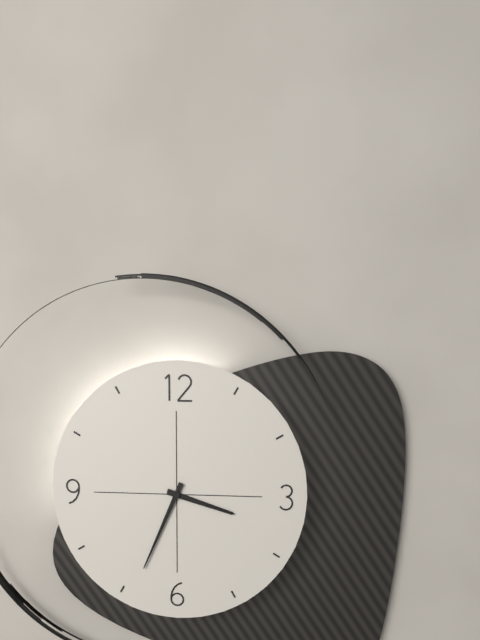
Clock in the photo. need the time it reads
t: 3:34
